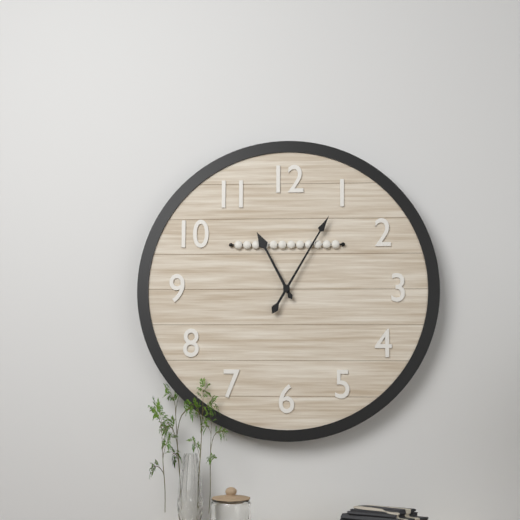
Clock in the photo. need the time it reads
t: 11:05
